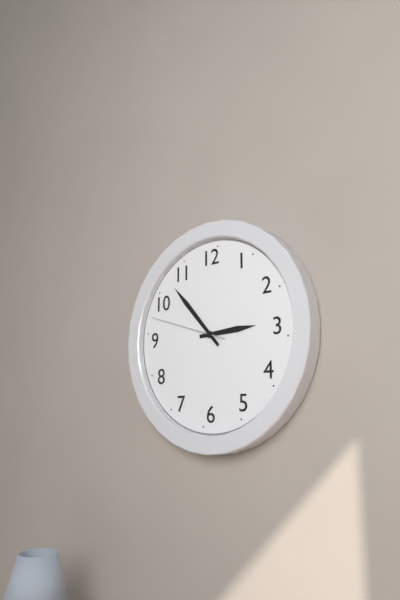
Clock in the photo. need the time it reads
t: 2:53:48
